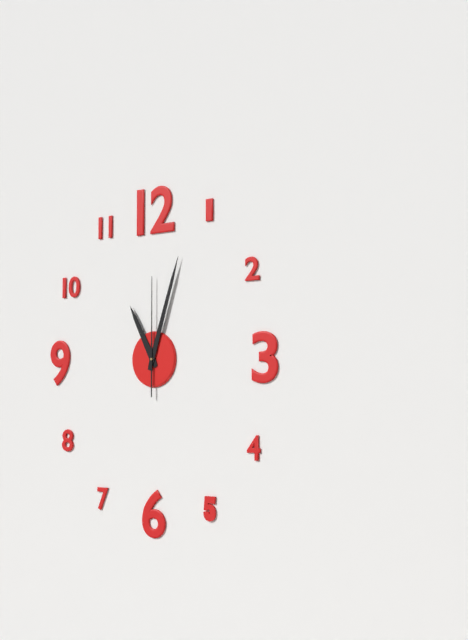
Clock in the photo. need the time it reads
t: 11:03:00
